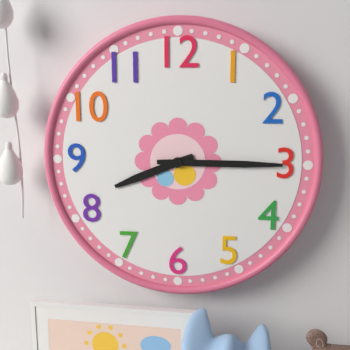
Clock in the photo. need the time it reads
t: 8:15
